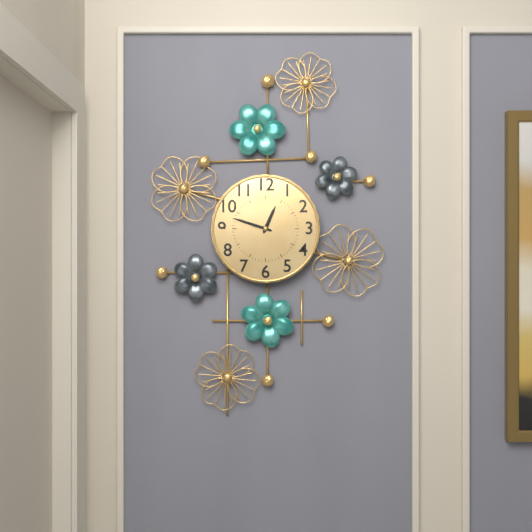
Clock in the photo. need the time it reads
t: 12:48
